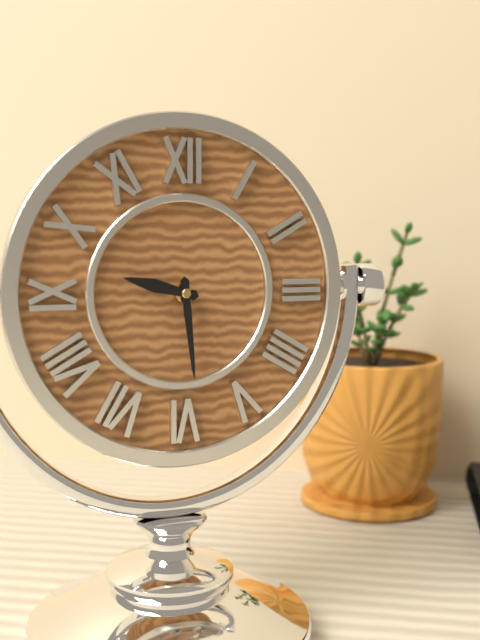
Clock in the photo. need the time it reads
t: 9:29
